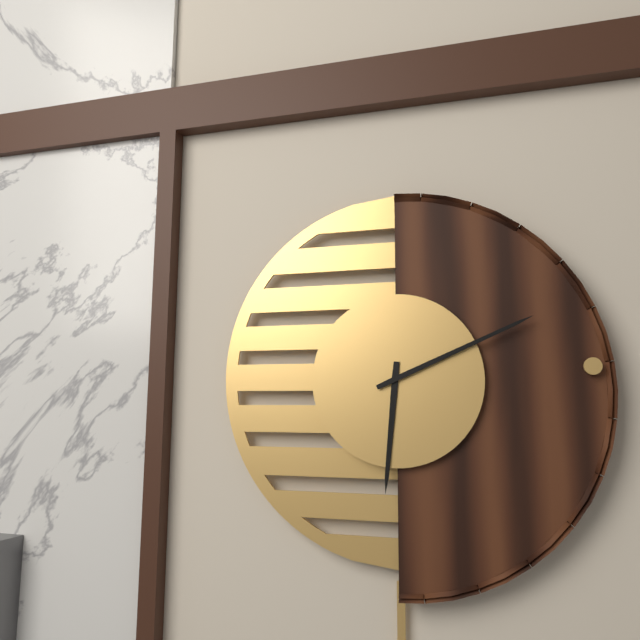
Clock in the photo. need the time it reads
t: 6:11
